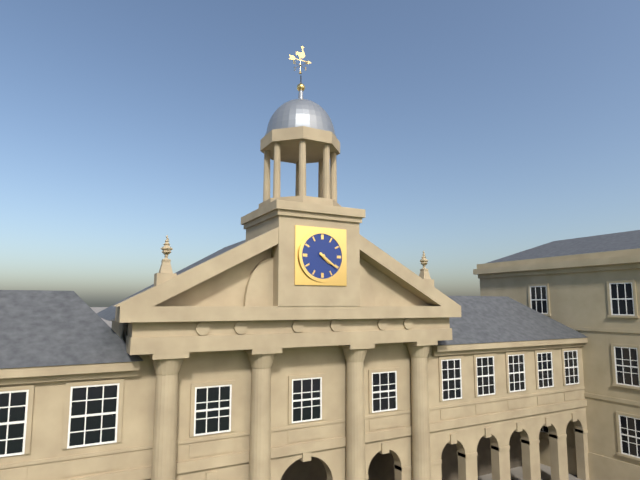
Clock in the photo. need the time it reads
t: 4:21
